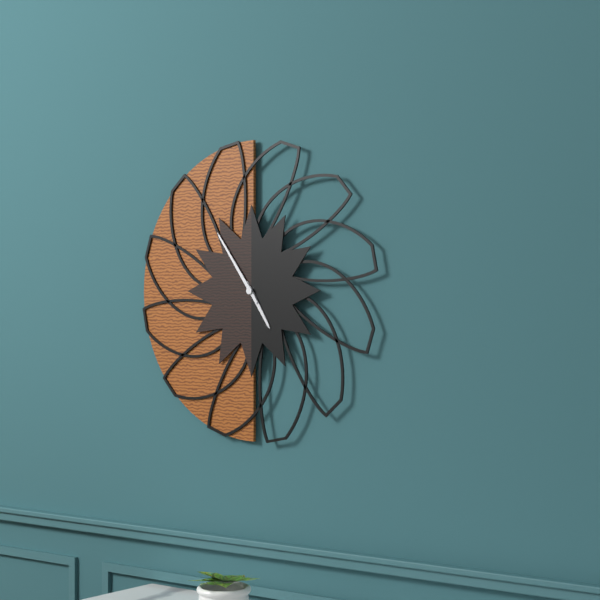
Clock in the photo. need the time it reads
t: 4:54
